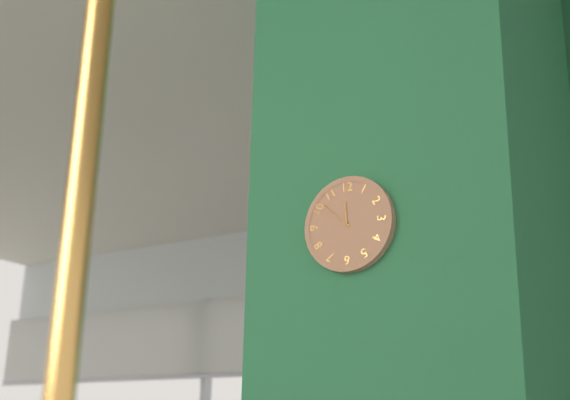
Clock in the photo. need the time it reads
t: 11:52
